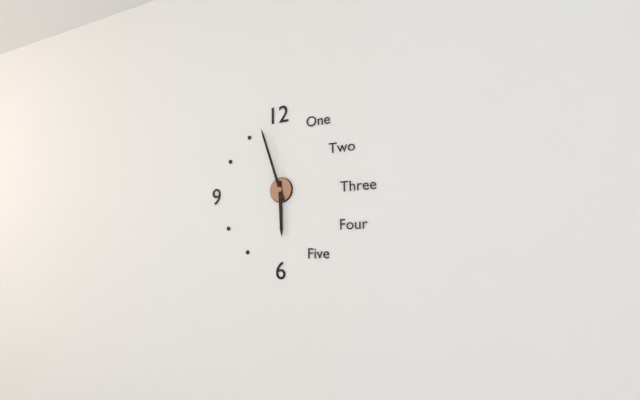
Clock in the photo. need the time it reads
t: 5:57
